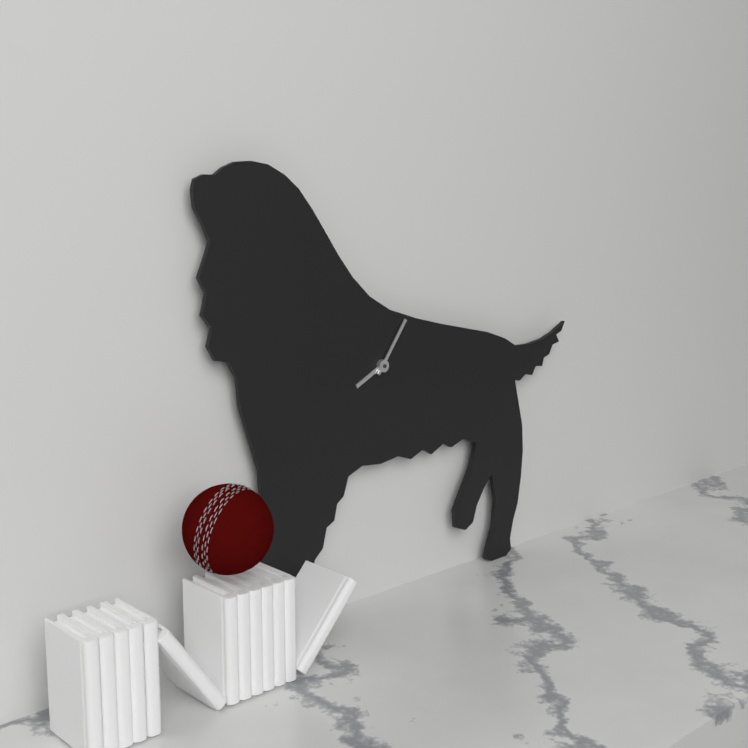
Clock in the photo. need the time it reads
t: 8:06
